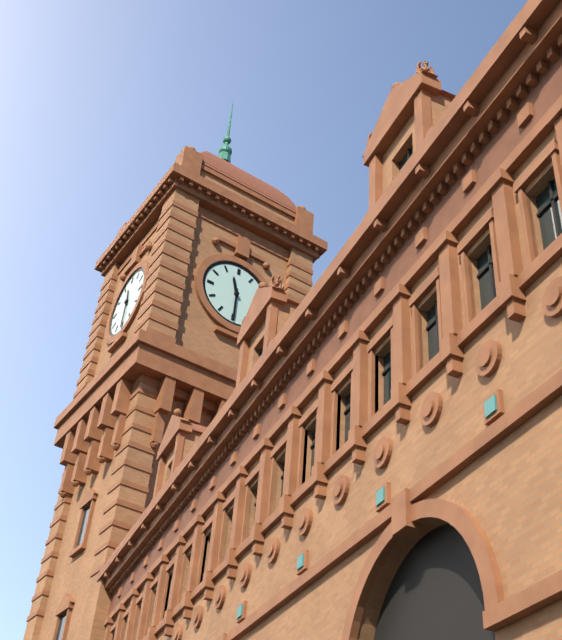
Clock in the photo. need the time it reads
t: 11:30
